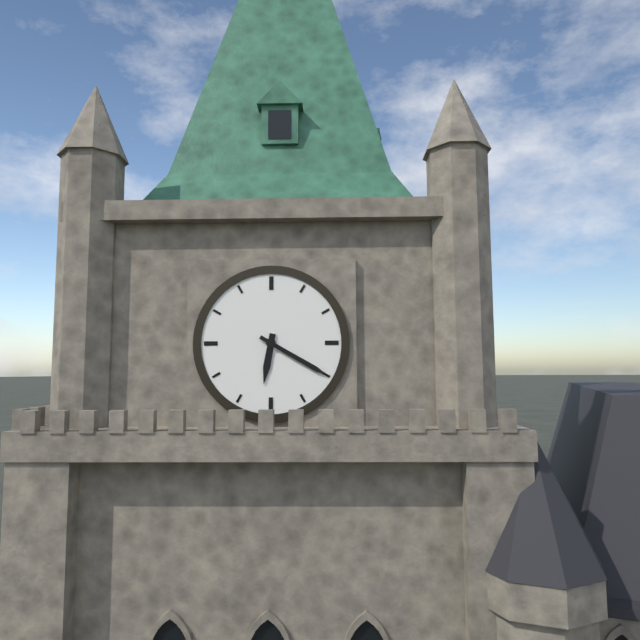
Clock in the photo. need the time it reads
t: 6:20
